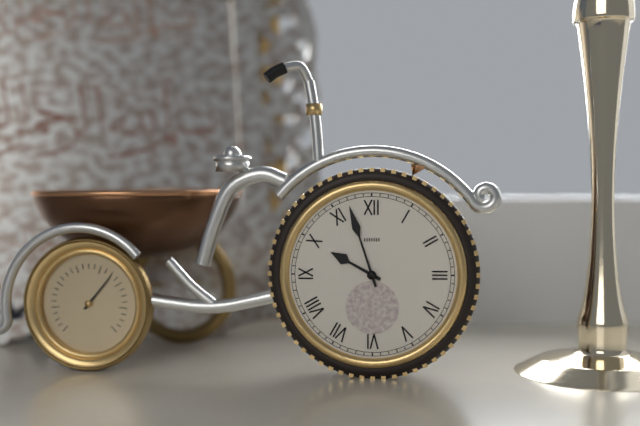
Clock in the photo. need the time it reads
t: 9:57
